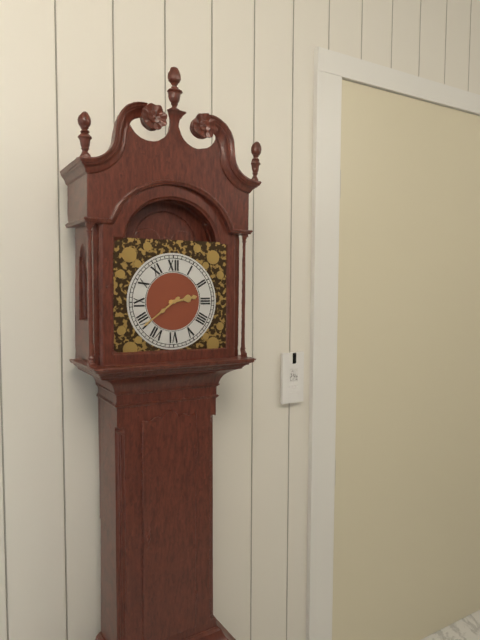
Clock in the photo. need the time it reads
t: 2:39
